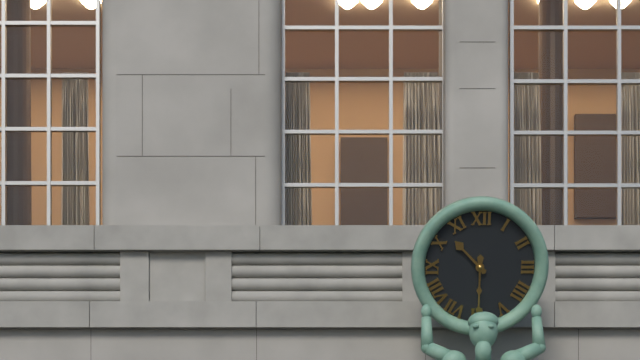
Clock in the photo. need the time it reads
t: 10:30
